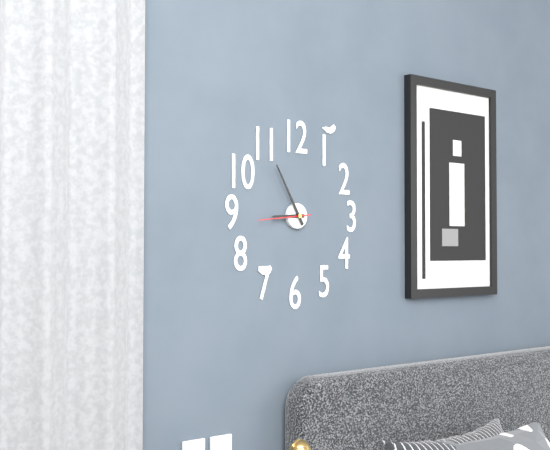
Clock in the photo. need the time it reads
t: 8:55:44
